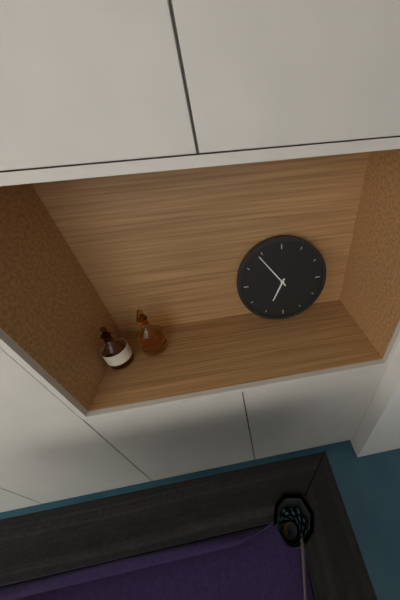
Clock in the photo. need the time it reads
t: 6:54
